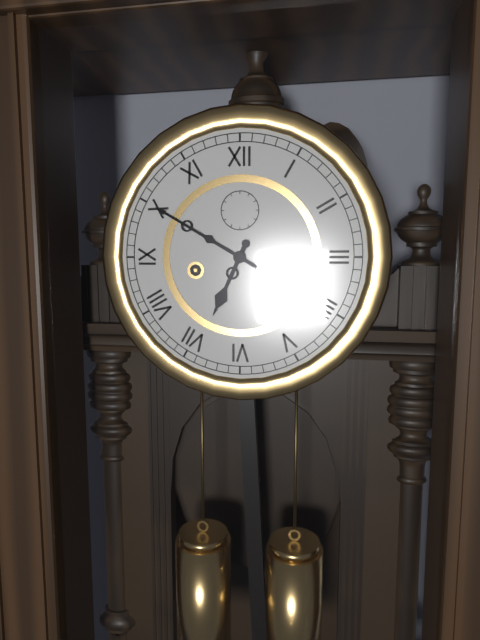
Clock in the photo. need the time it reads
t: 6:50
